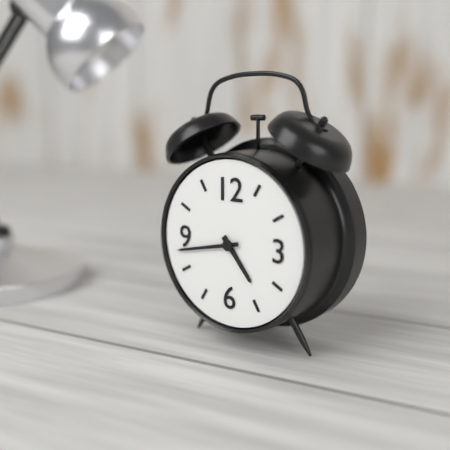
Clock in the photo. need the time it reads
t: 4:43
